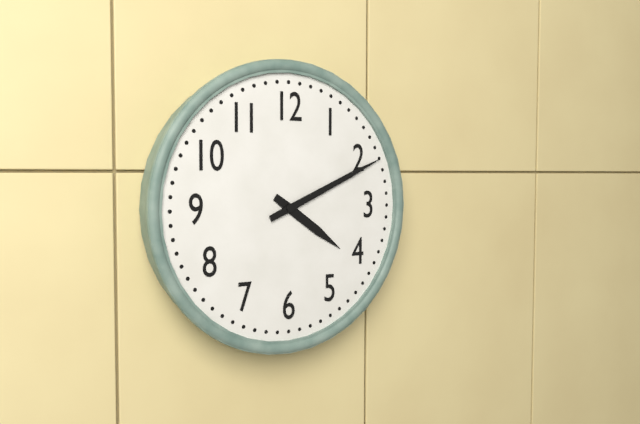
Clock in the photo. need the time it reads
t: 4:11
